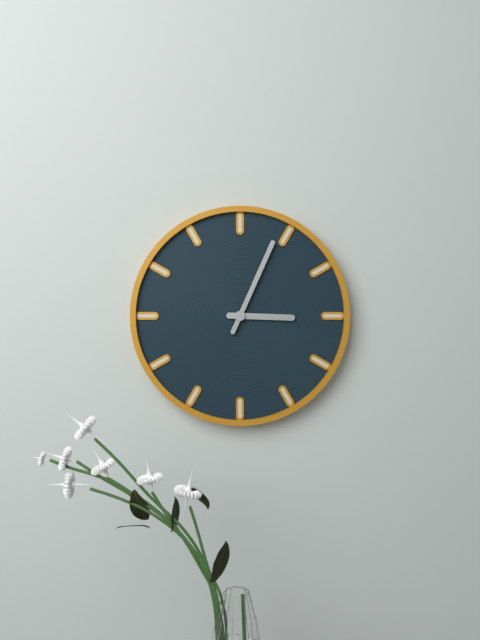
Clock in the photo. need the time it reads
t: 3:04
